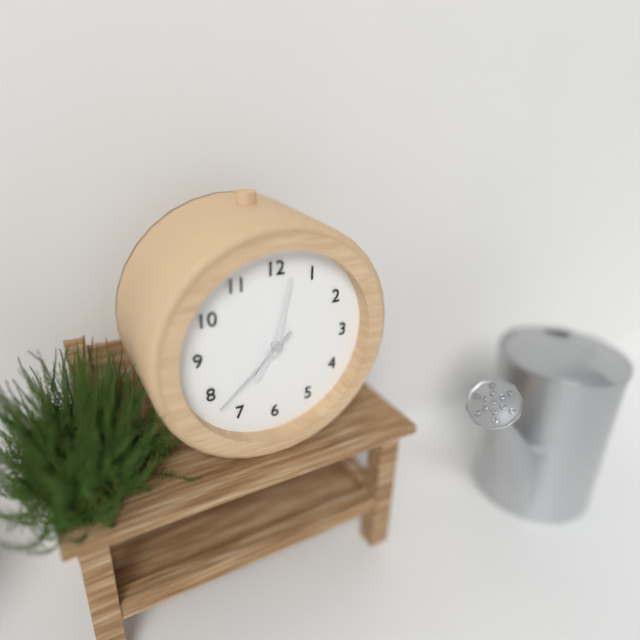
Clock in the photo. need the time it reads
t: 7:02:38
